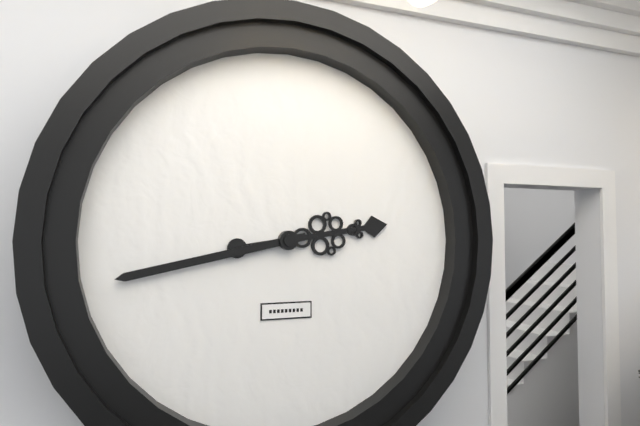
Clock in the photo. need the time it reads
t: 2:43
